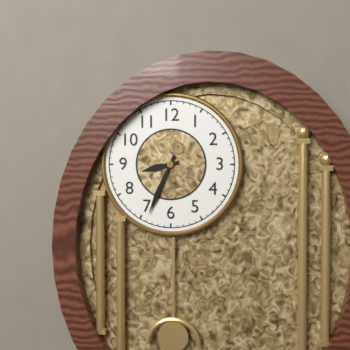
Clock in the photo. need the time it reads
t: 8:34
